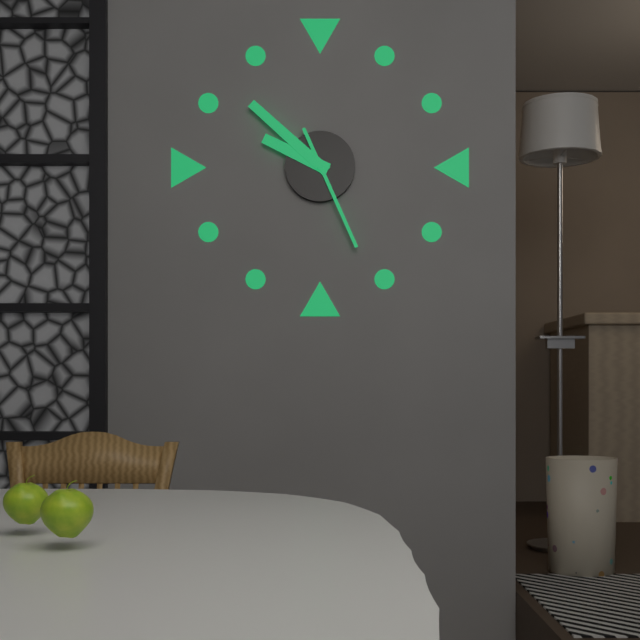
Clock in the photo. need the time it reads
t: 9:52:26
